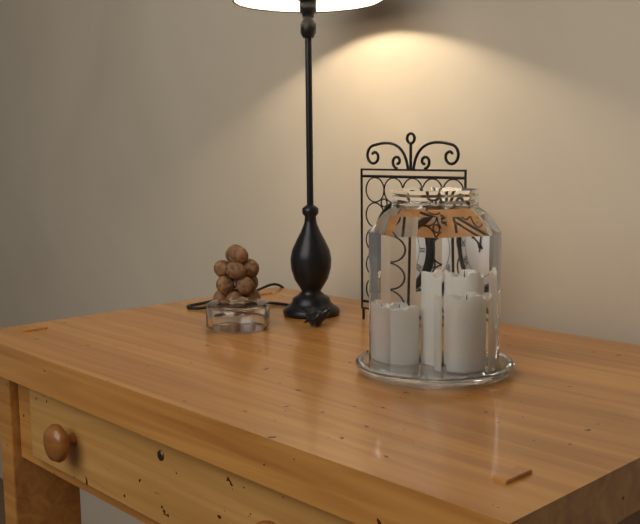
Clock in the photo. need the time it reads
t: 10:02
